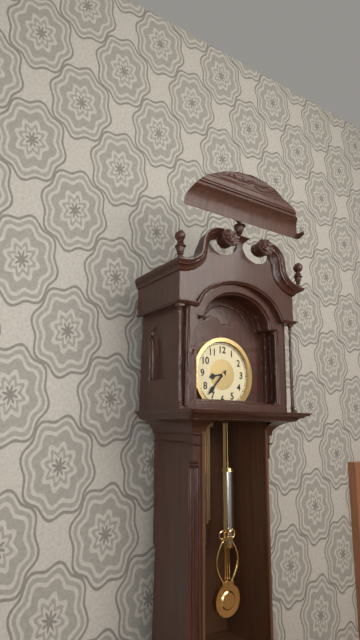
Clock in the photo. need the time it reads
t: 8:37
